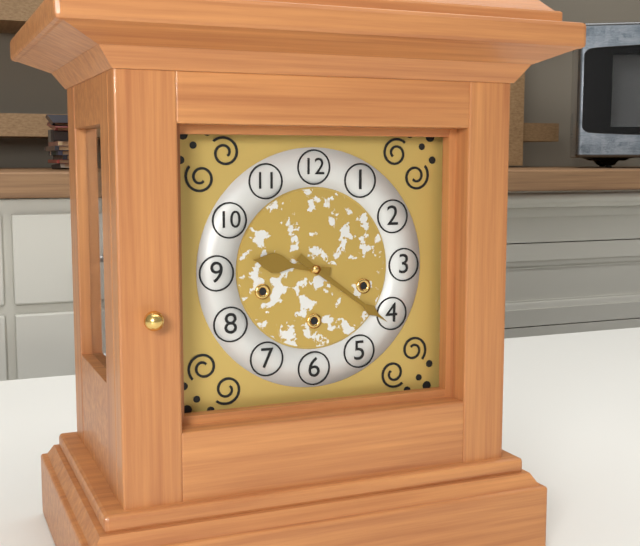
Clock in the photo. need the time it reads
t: 9:21
